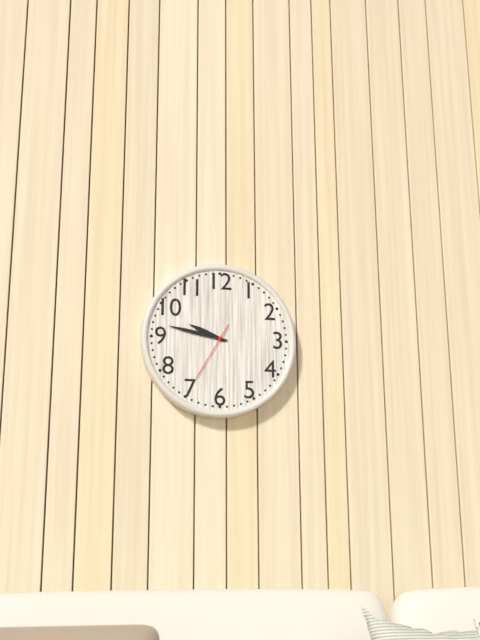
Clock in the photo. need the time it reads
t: 9:47:35
